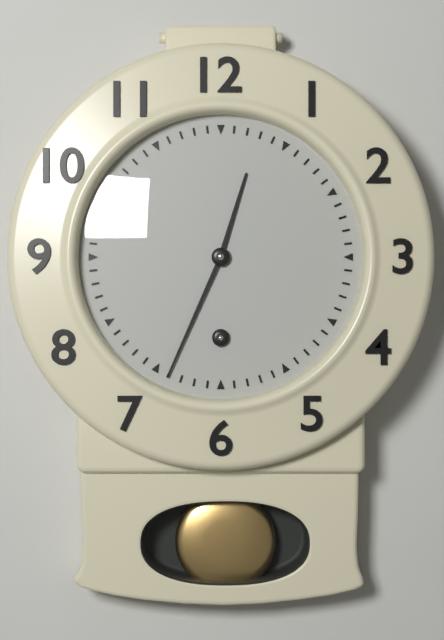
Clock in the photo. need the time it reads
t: 12:34
